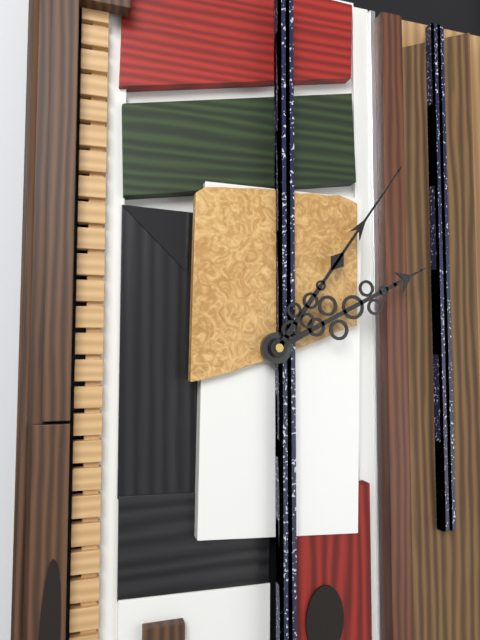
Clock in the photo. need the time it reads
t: 2:06
